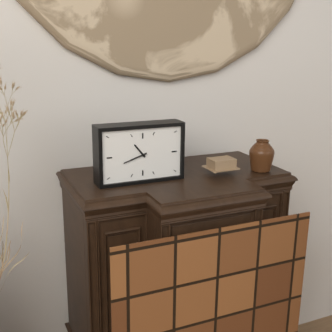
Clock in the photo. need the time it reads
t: 10:42
